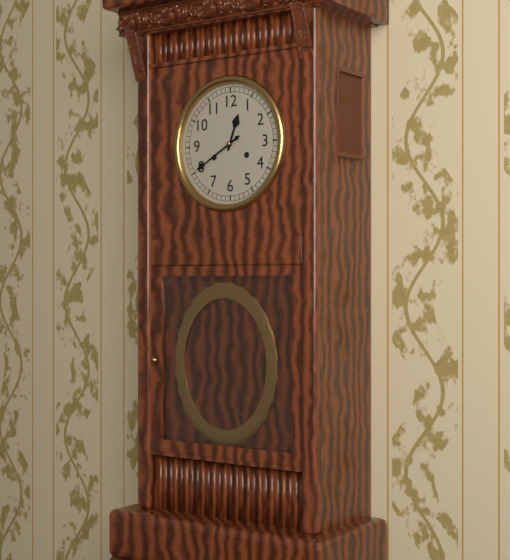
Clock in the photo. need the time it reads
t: 12:40
